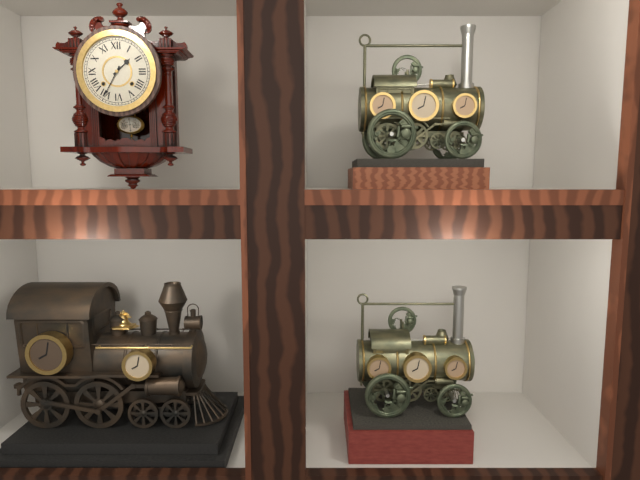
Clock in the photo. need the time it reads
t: 1:35
